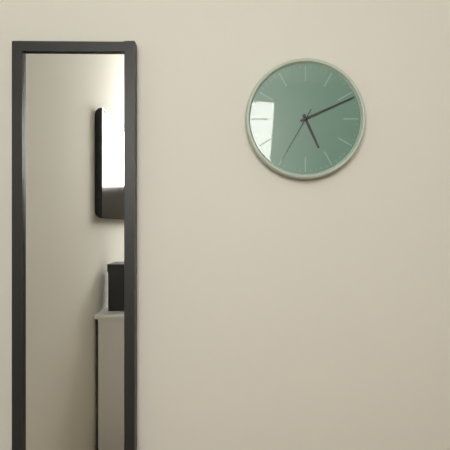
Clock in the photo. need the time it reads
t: 5:11:35
